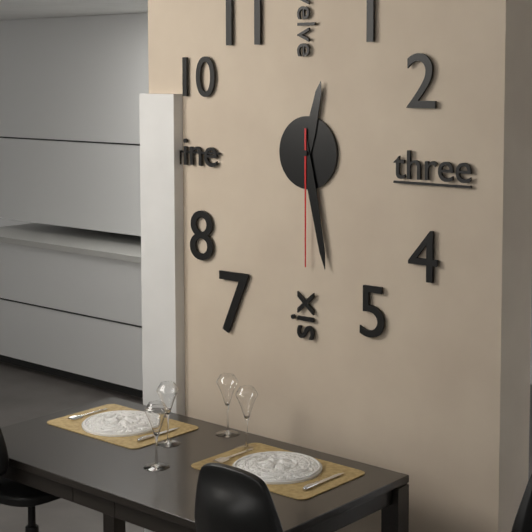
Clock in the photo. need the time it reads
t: 12:28:30
